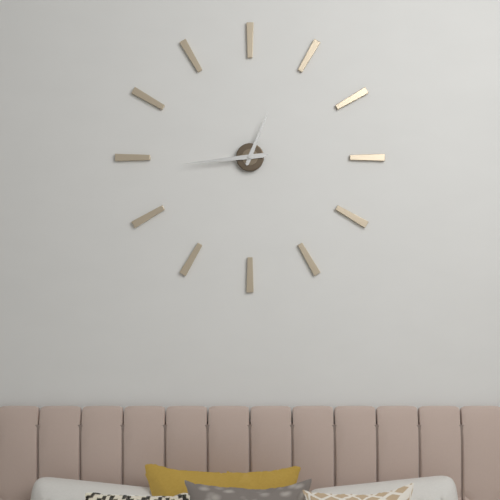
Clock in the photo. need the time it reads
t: 12:44
